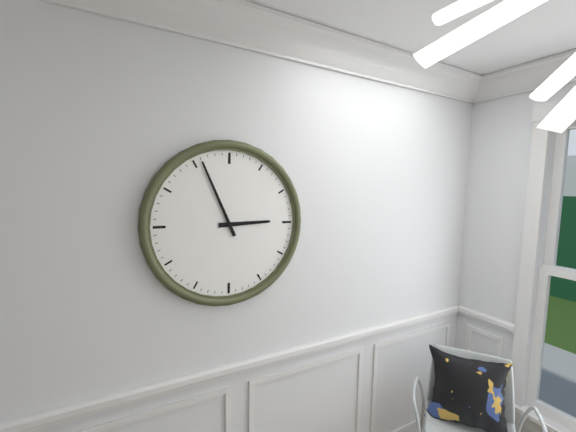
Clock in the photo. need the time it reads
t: 2:56
